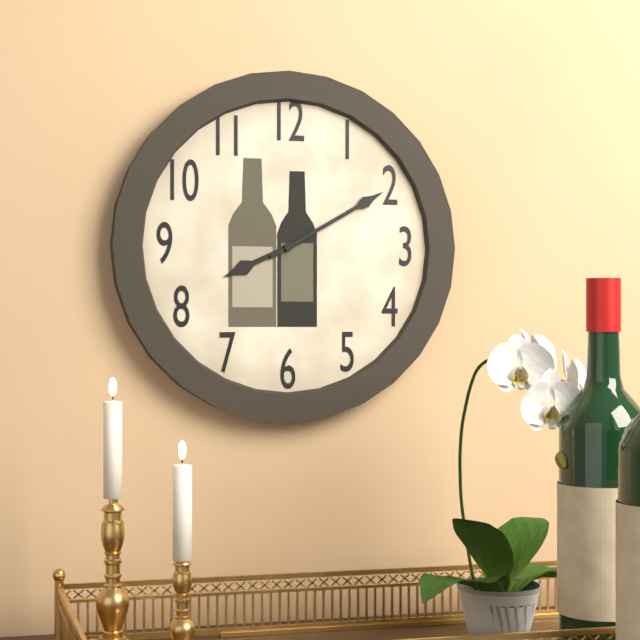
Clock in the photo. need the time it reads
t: 8:10
